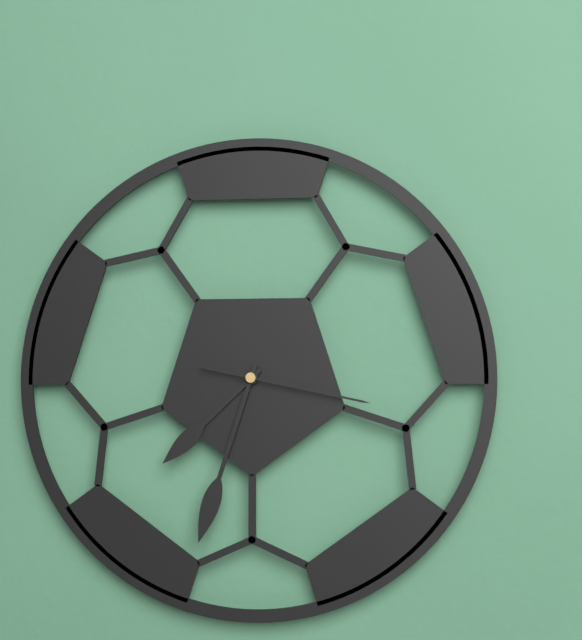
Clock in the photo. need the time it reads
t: 7:33:17
